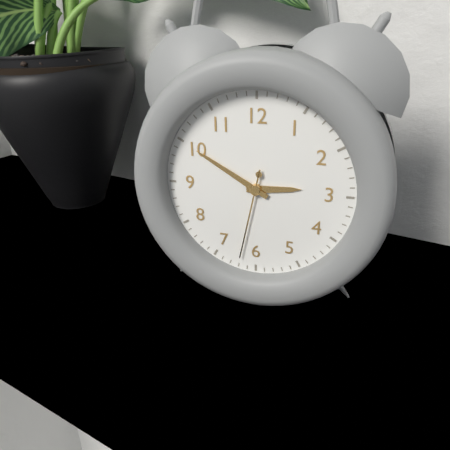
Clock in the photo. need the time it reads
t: 2:50:32
